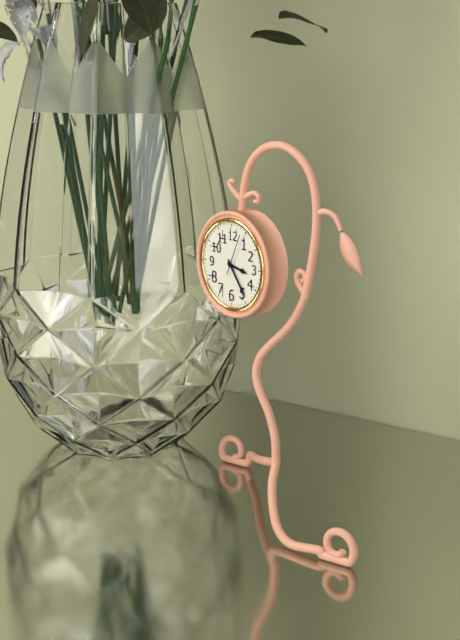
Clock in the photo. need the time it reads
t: 3:24
